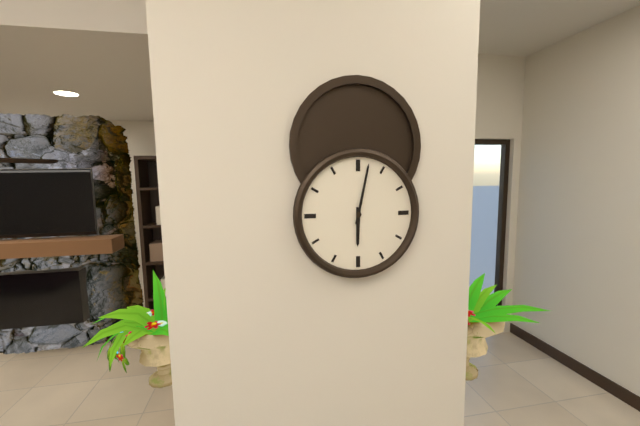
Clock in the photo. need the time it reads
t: 6:02
